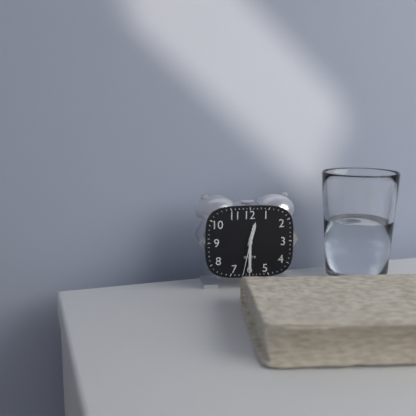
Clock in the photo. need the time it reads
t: 12:30
